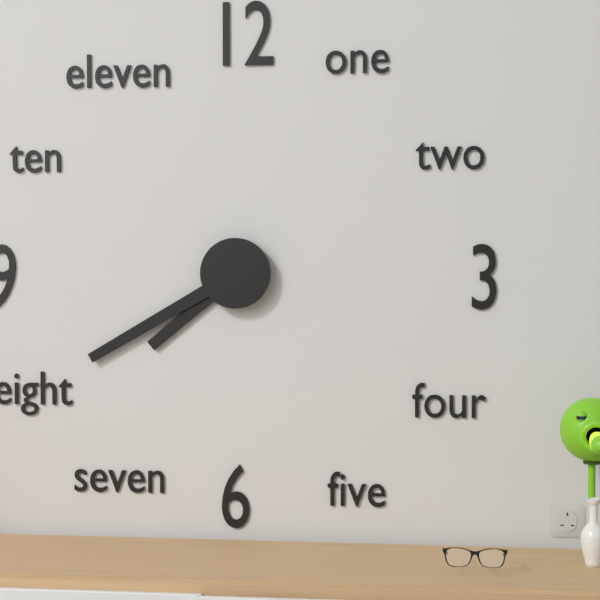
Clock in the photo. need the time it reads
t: 7:40
